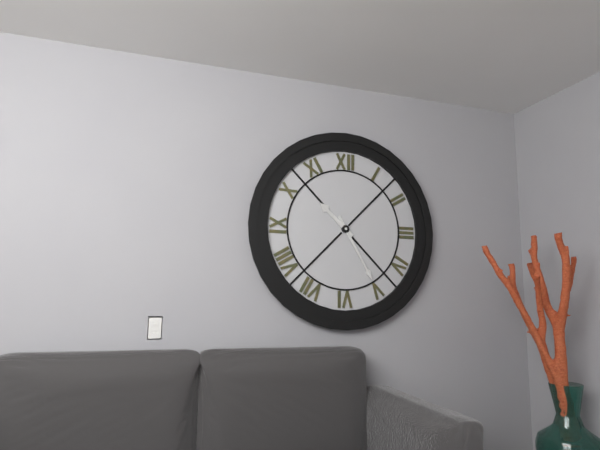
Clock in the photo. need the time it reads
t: 10:25
